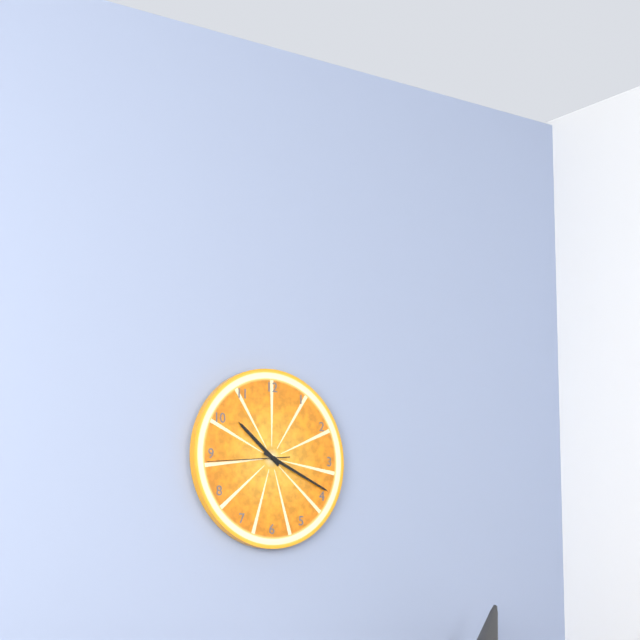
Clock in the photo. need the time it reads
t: 10:19:44
